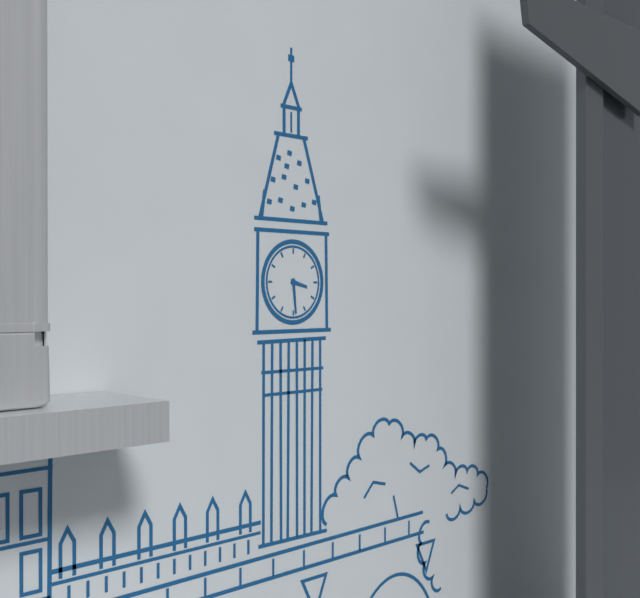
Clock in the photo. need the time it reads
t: 3:29
